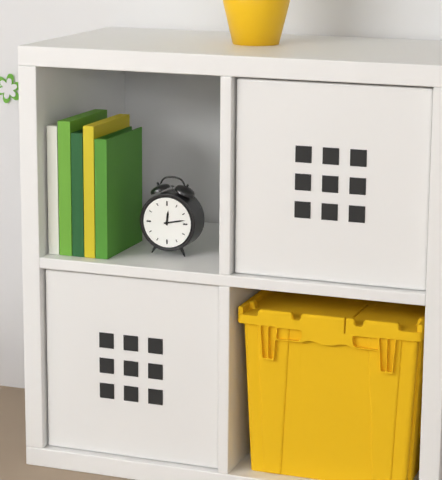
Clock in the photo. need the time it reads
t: 12:13
